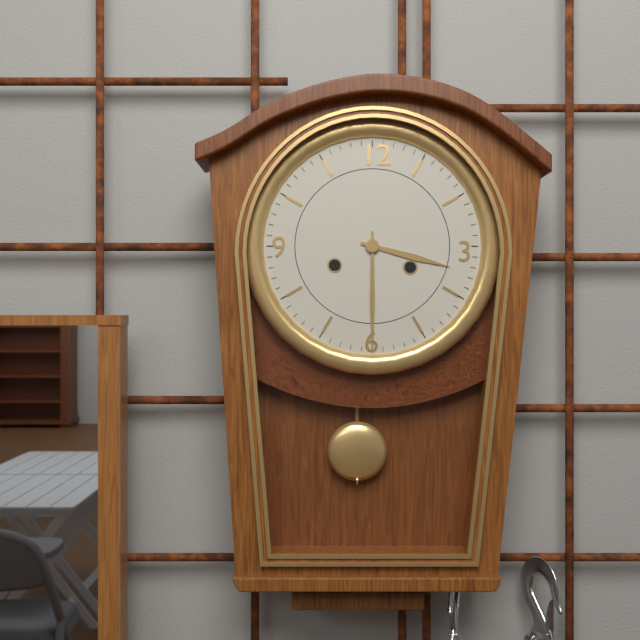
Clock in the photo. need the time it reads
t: 3:30
